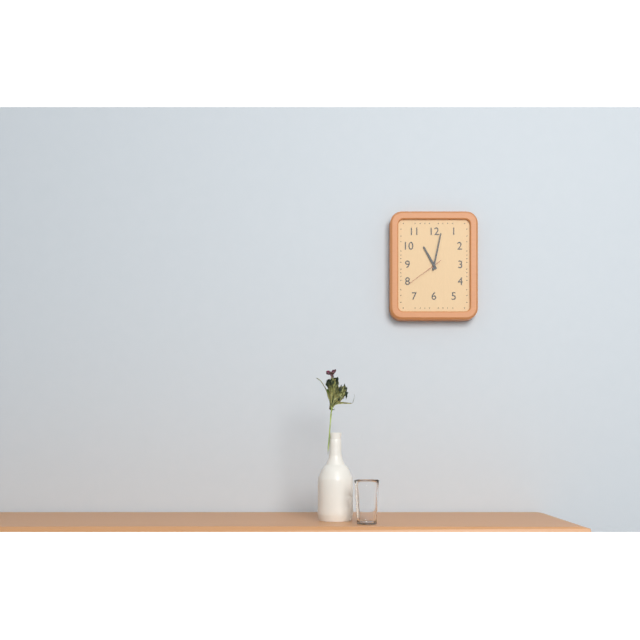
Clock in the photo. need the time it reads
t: 11:02
